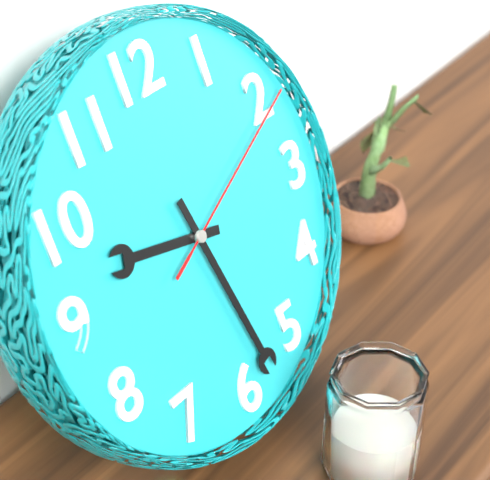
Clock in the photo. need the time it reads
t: 9:28:11
